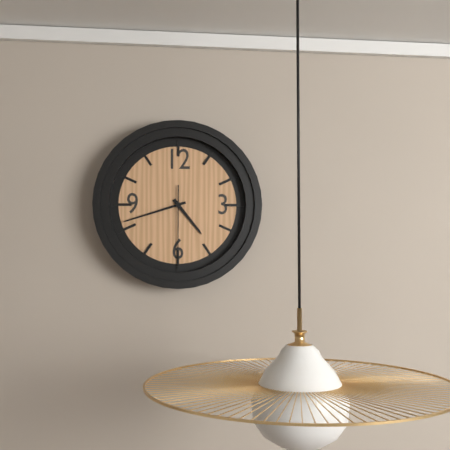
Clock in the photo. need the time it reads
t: 4:42:30
